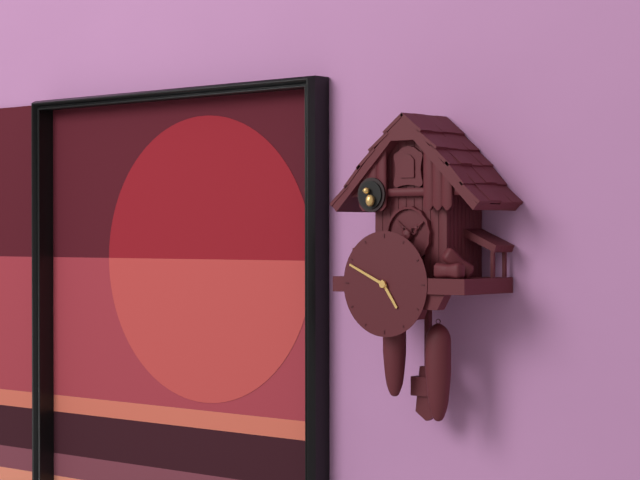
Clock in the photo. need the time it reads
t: 4:49
